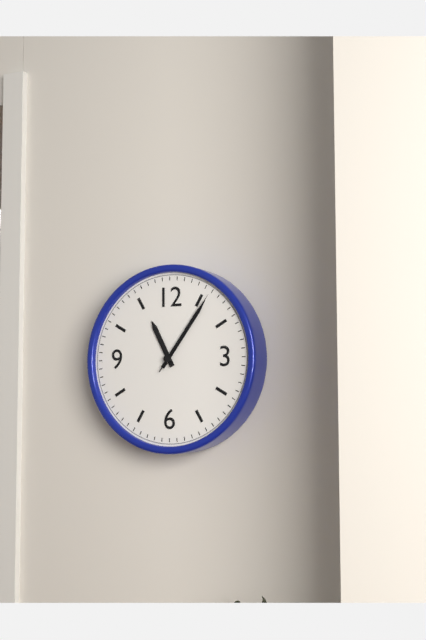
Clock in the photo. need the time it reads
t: 11:06:06
